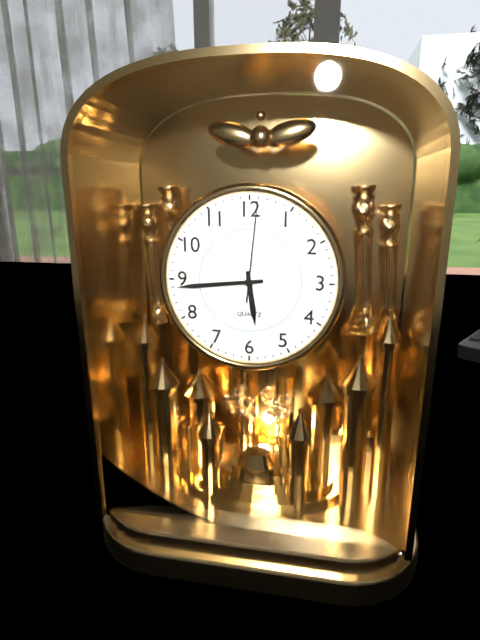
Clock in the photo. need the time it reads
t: 5:44:01
